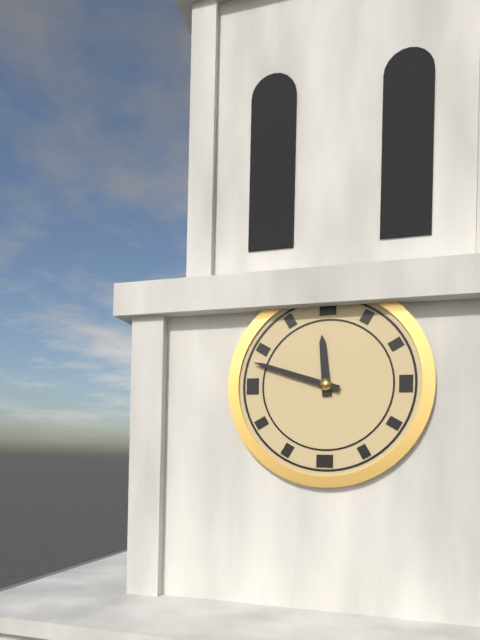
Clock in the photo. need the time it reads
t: 11:48
